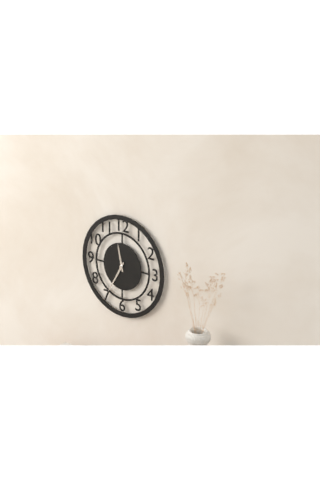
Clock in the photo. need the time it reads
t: 11:35
